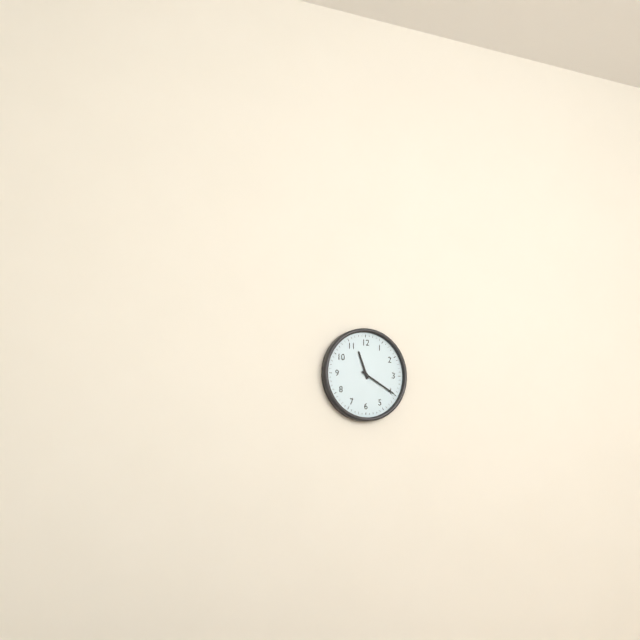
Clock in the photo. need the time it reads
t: 11:20
